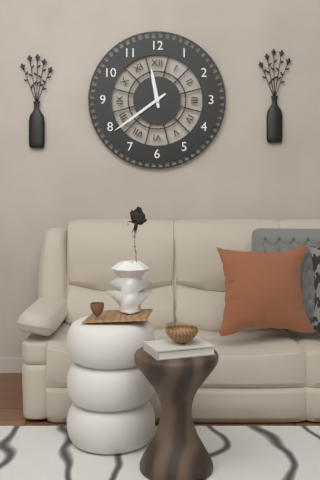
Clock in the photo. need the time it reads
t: 11:39
